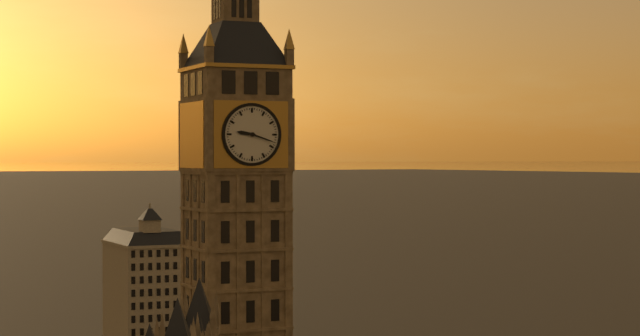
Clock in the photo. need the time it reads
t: 9:18
